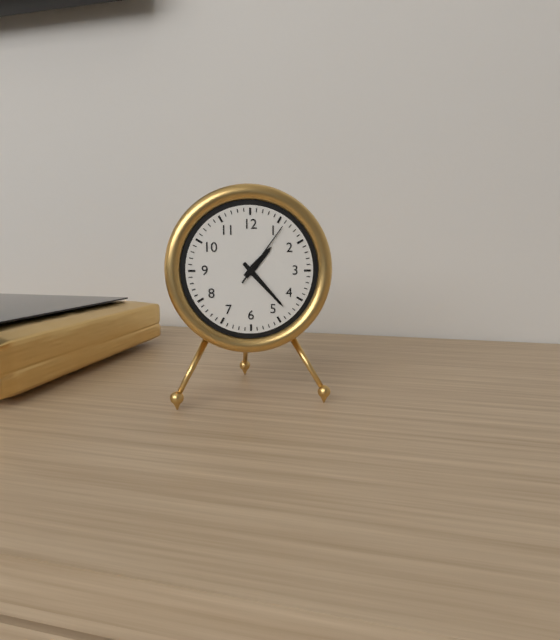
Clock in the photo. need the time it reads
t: 1:23:06
